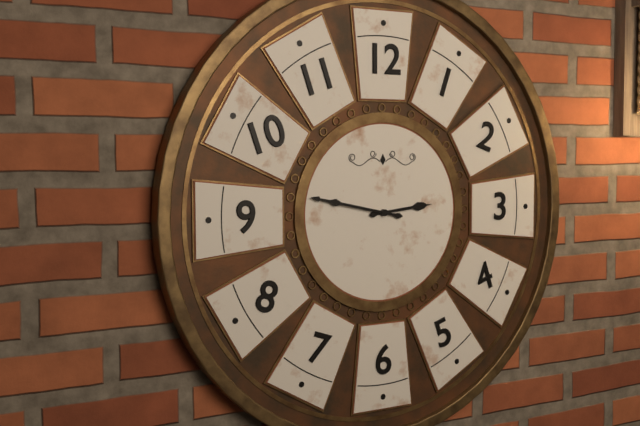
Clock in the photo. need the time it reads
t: 2:47
